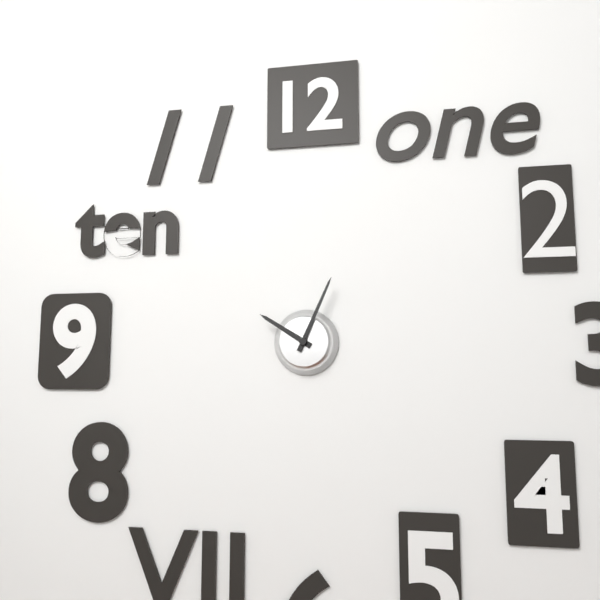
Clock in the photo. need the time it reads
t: 10:04
